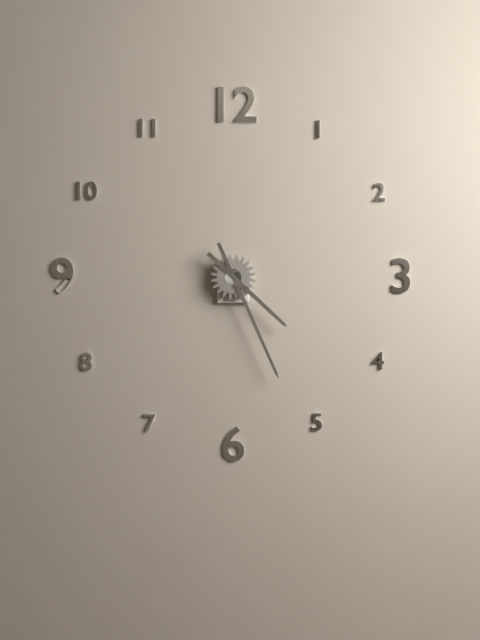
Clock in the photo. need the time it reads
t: 4:26
